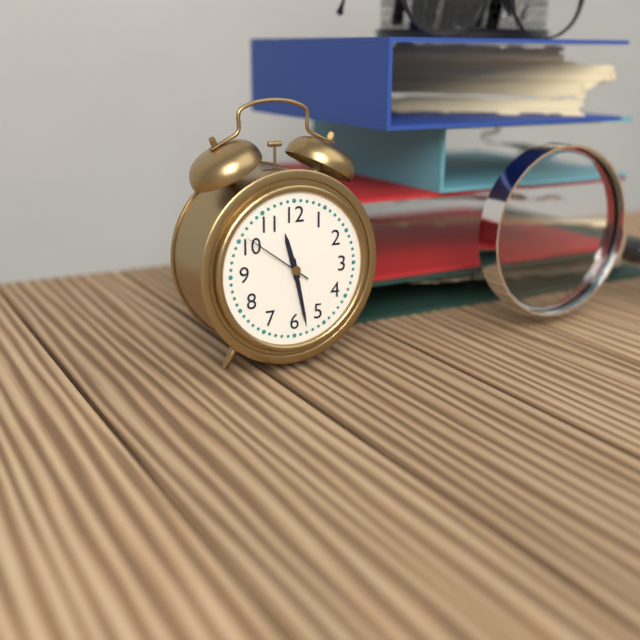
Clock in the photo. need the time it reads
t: 11:28:51
